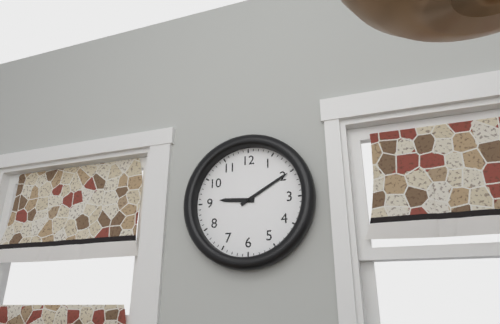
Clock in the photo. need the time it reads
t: 9:10
